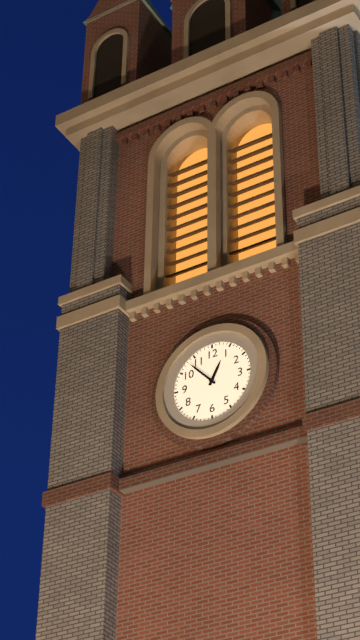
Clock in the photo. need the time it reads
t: 12:53
